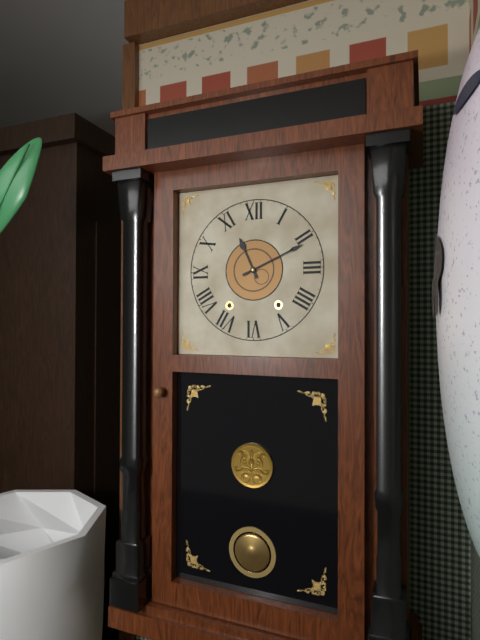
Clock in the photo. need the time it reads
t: 11:11
